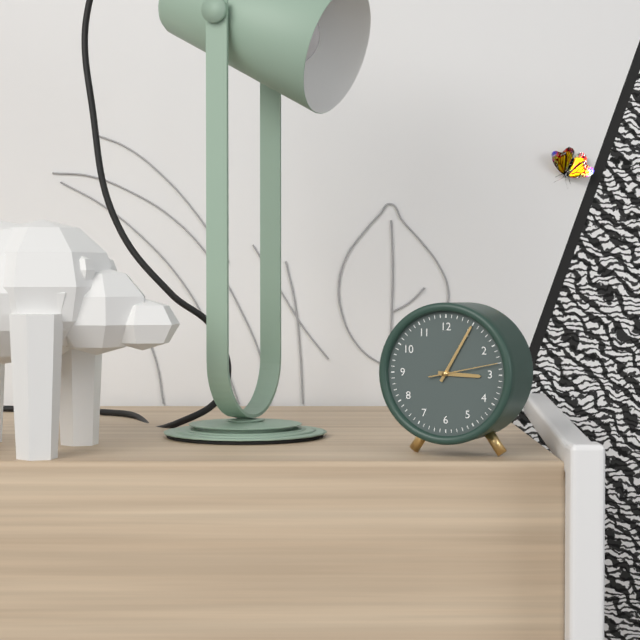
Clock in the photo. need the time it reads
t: 3:05:13
